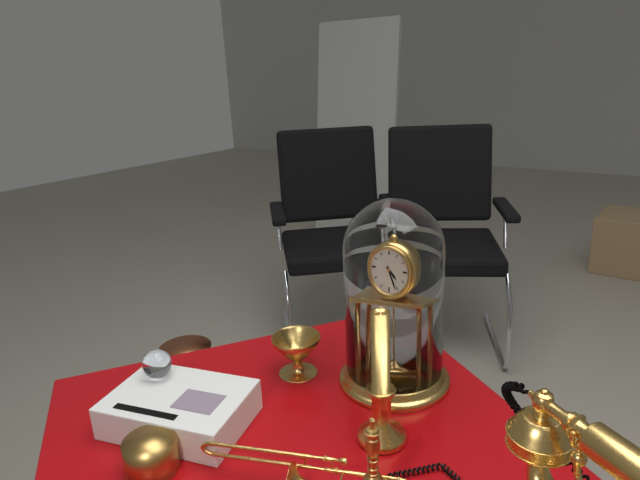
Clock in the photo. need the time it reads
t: 4:26
